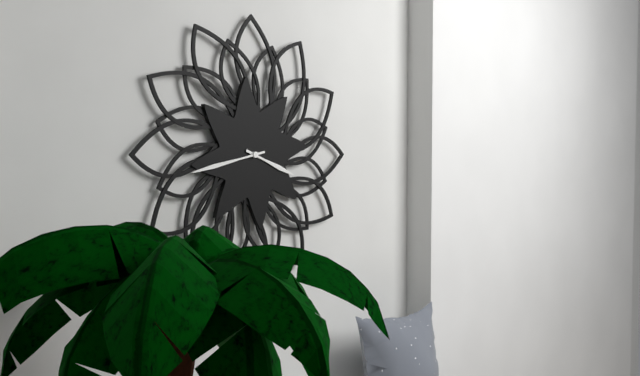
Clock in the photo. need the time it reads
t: 3:43
